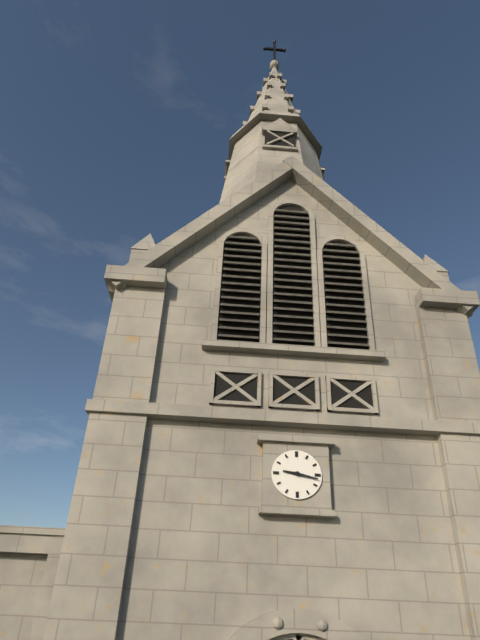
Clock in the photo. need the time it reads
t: 9:17
